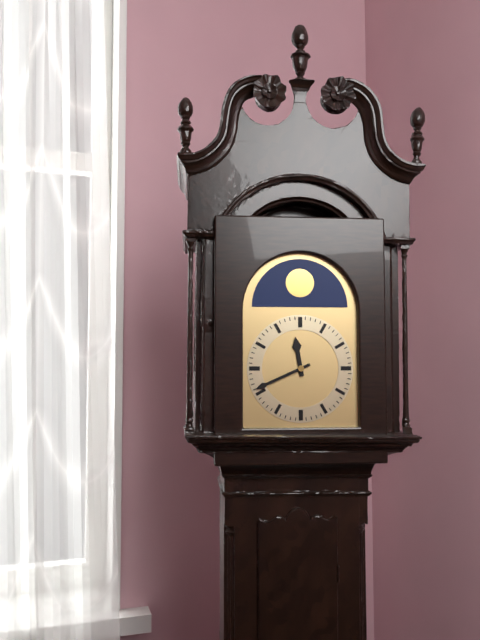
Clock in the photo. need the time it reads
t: 11:41
